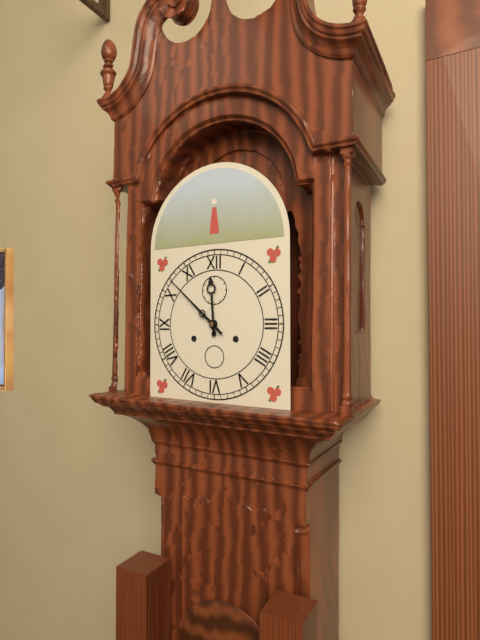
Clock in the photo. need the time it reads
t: 11:52
